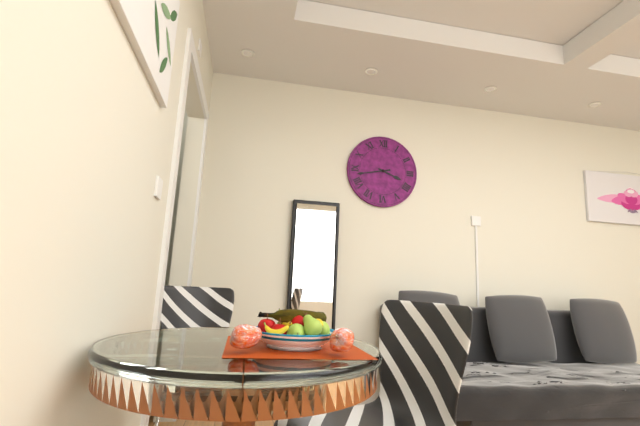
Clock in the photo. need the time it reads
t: 3:43
